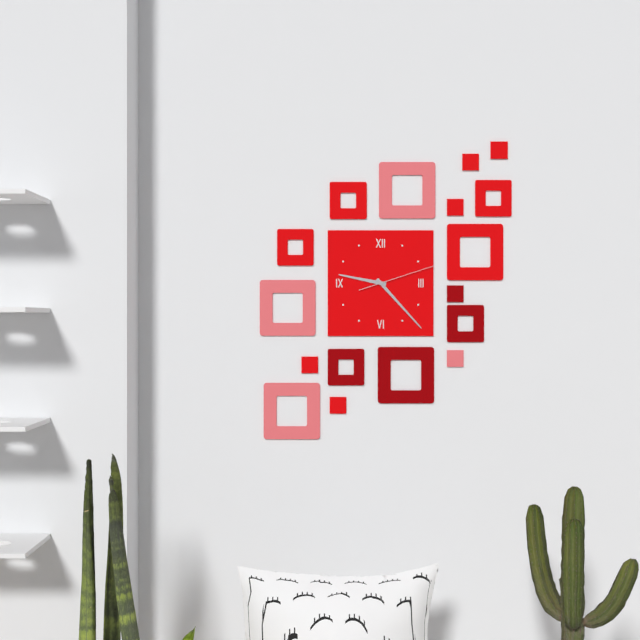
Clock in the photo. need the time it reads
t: 9:23:12
